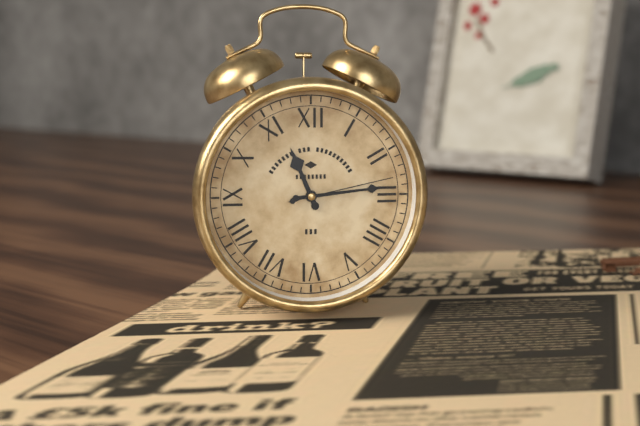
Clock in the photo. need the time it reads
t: 11:14:13
